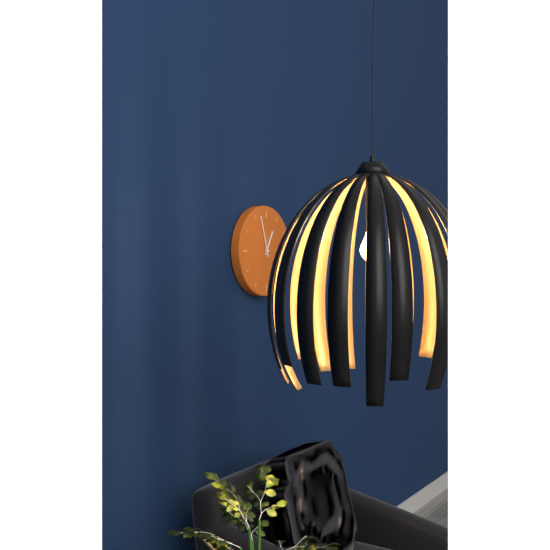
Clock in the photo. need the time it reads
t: 12:57
